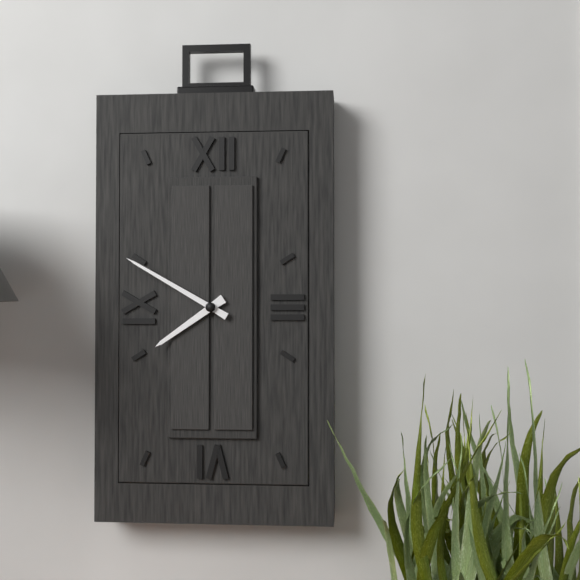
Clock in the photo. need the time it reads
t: 7:50
